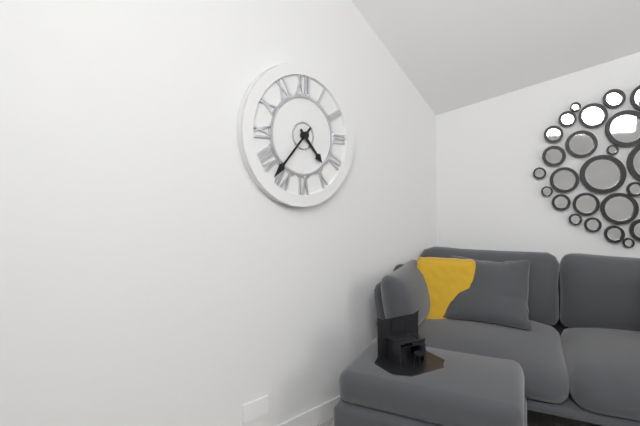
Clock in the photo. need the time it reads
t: 4:37
